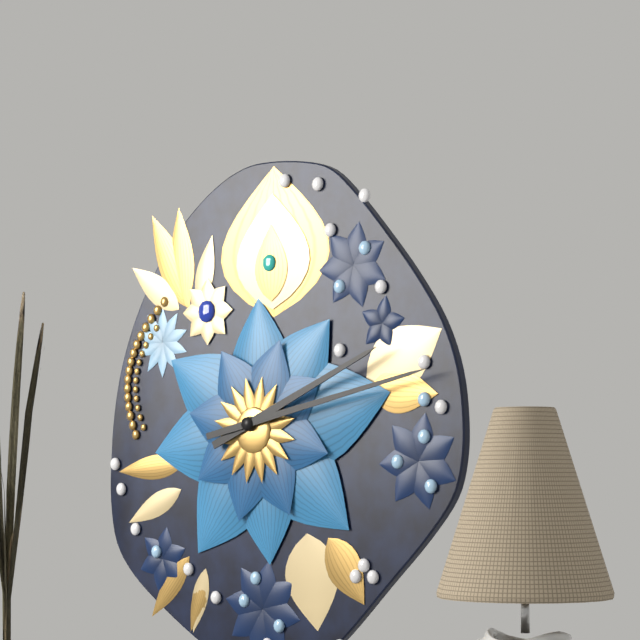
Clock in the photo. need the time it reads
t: 2:13
